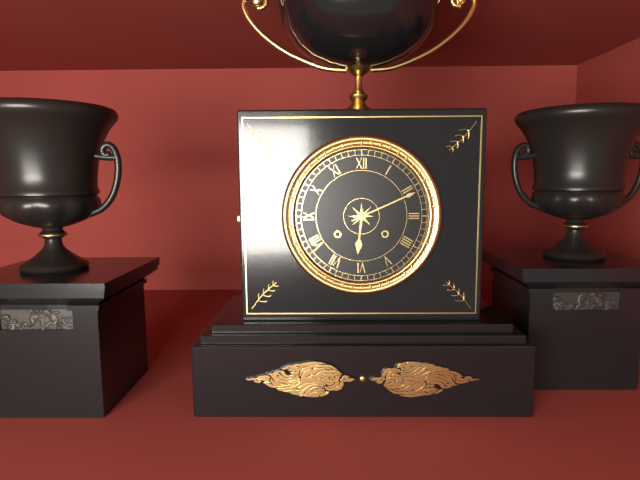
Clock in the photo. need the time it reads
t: 6:11
